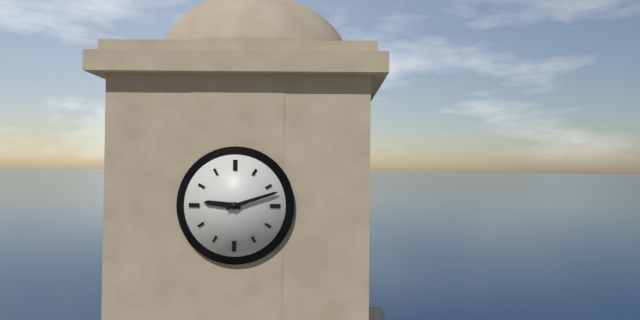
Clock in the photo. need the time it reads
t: 9:12
